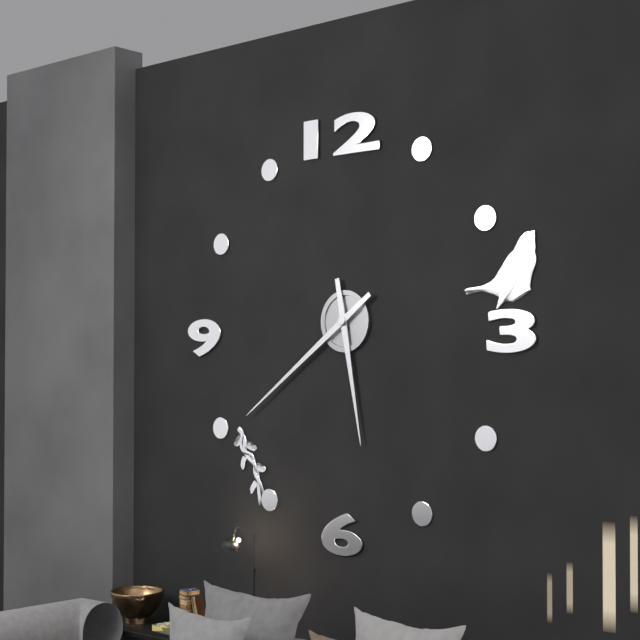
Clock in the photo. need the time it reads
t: 5:39
